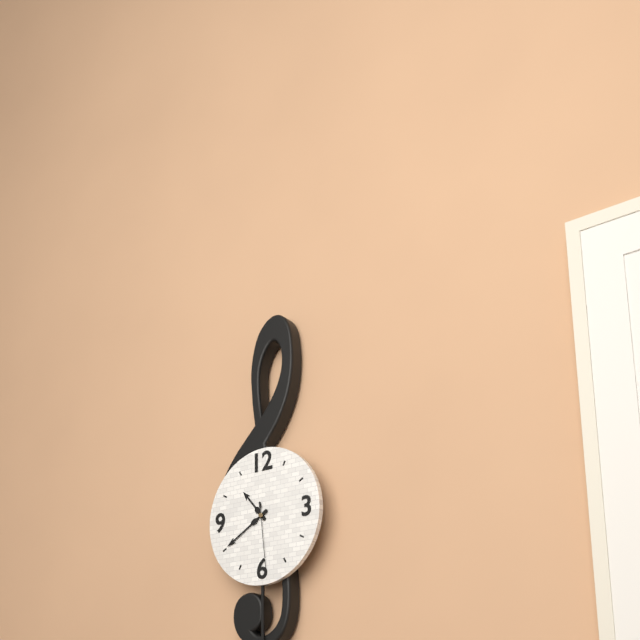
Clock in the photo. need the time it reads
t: 10:40:29
